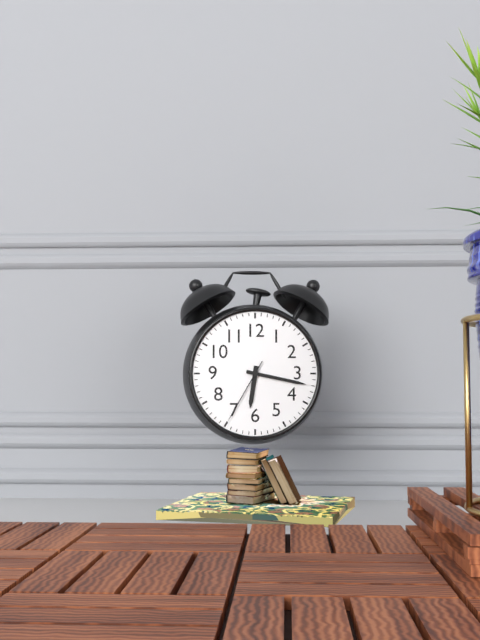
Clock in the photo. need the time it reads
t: 6:17:35
